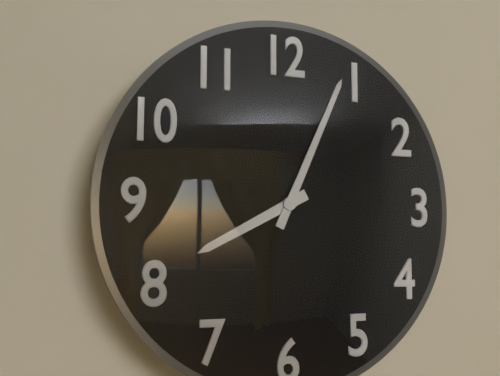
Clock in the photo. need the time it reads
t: 8:04
